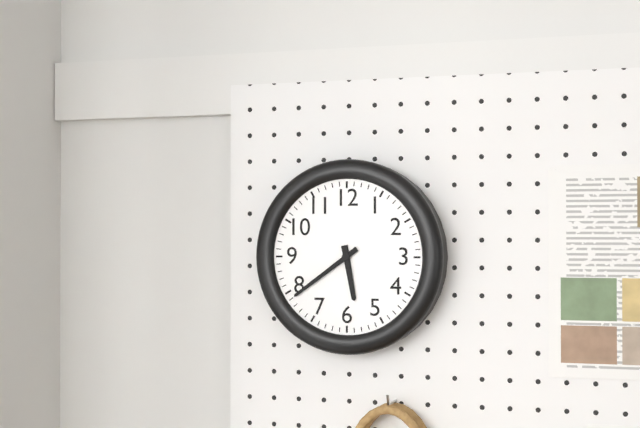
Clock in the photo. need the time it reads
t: 5:39
